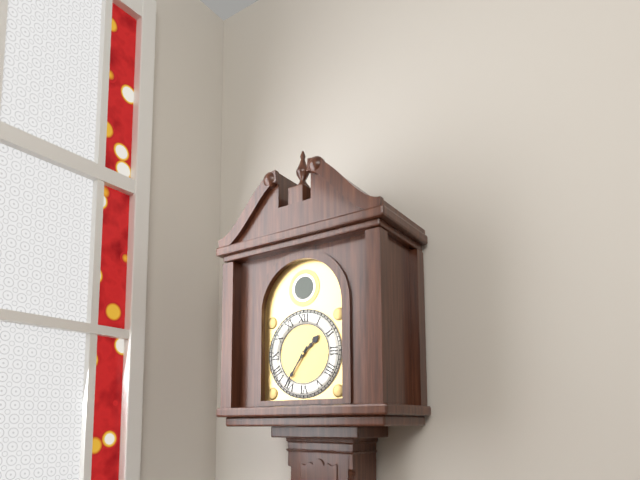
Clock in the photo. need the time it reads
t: 1:36
